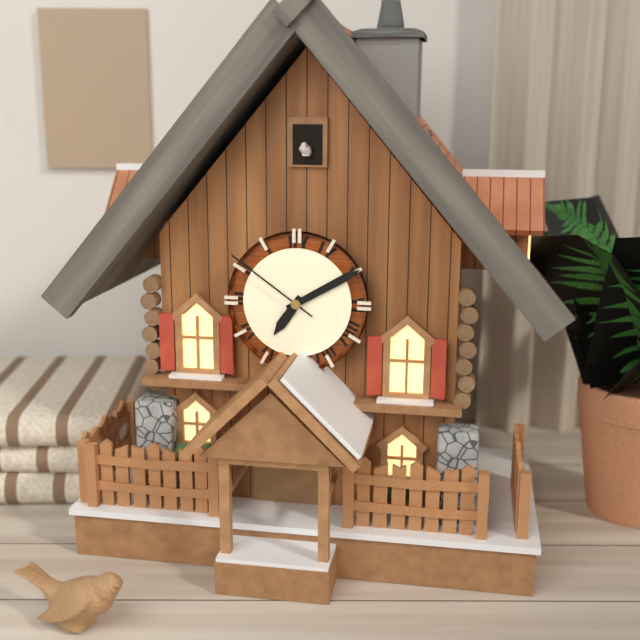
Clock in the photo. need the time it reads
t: 7:10:51
